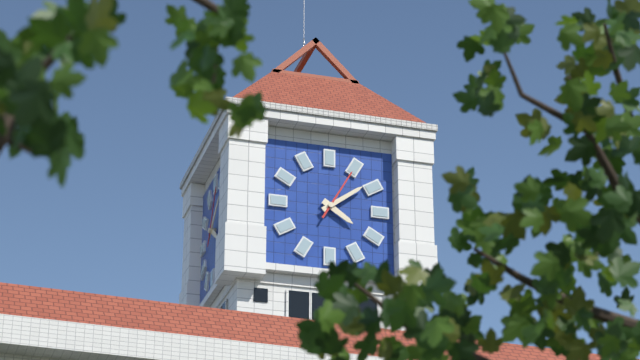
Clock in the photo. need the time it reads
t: 4:09:05
